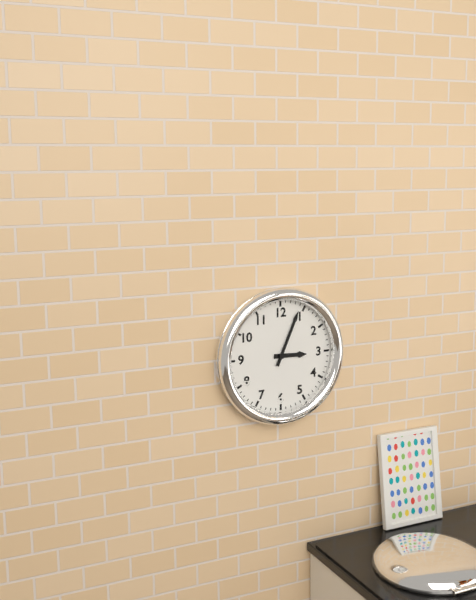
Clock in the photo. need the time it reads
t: 3:04
